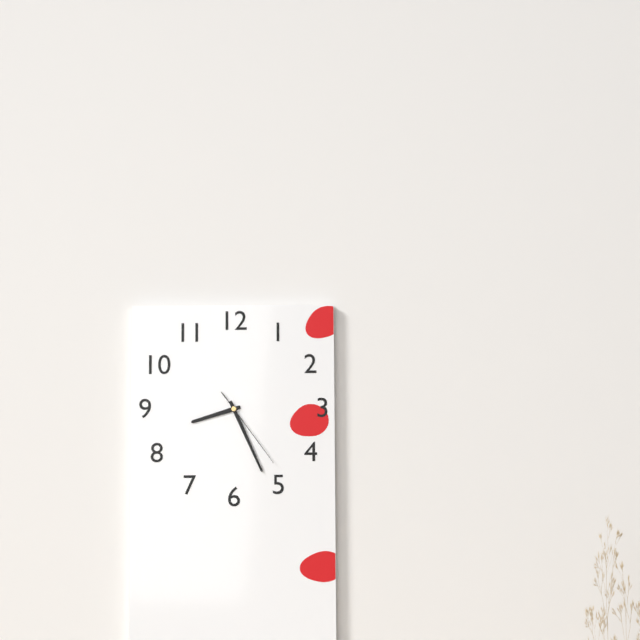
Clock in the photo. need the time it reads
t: 8:26:24
